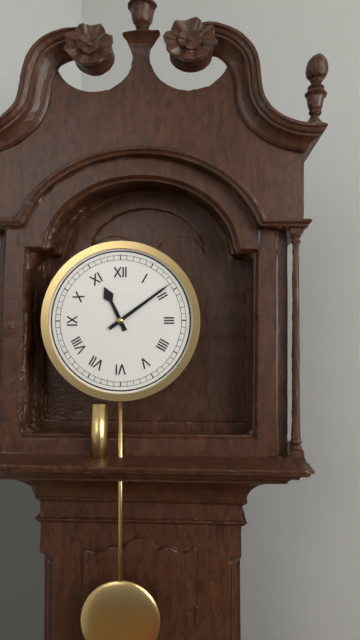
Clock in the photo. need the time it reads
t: 11:09
